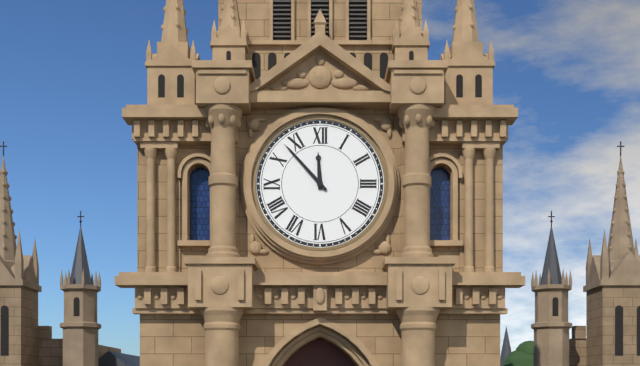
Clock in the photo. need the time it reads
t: 11:53
